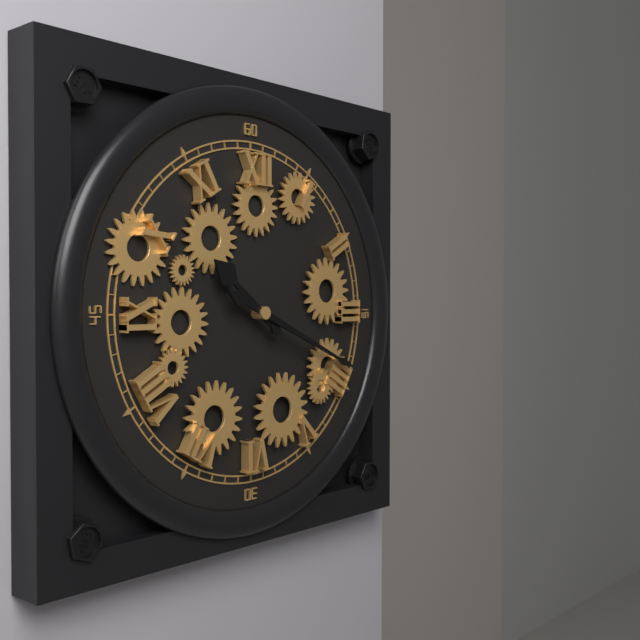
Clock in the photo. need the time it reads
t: 10:19
